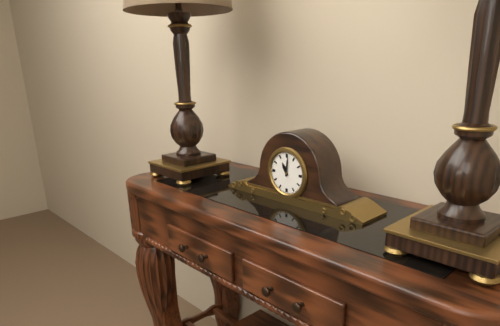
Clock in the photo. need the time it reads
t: 11:01
